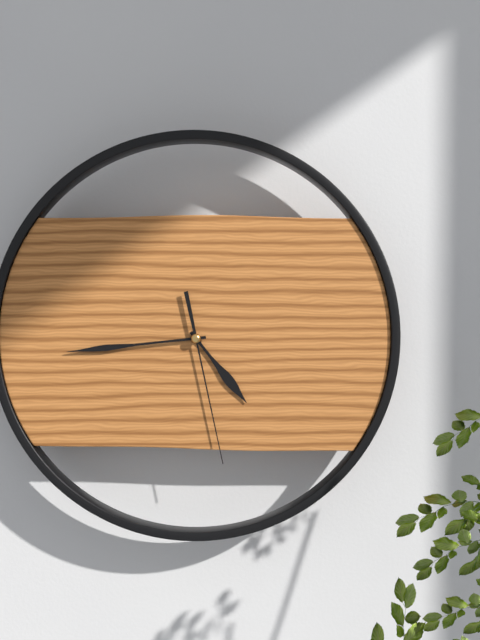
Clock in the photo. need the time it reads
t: 4:44:28
